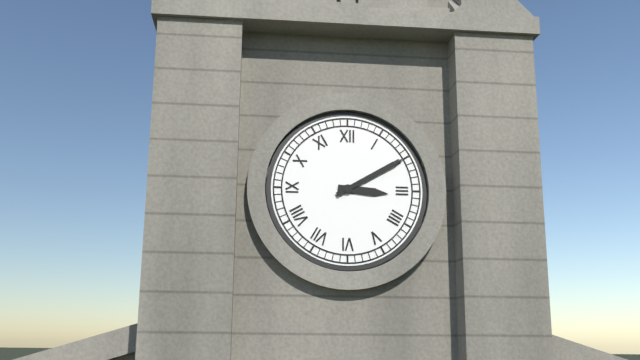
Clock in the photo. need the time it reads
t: 3:10
